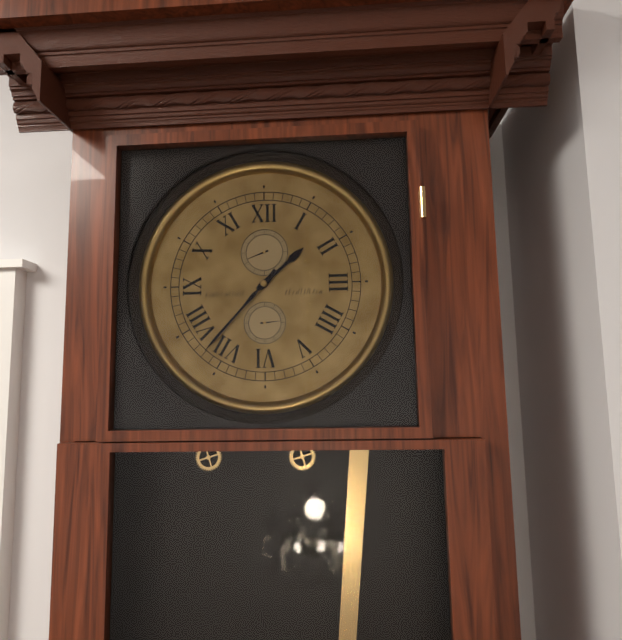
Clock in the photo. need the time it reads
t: 1:37
